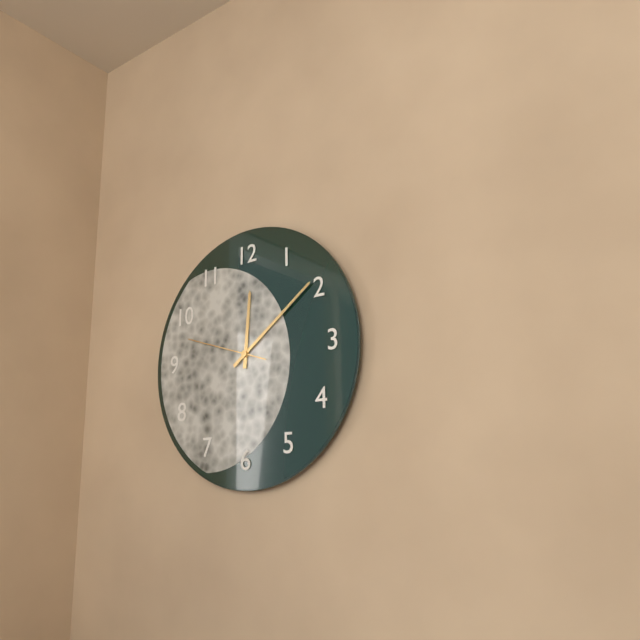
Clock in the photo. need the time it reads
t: 12:09:48
